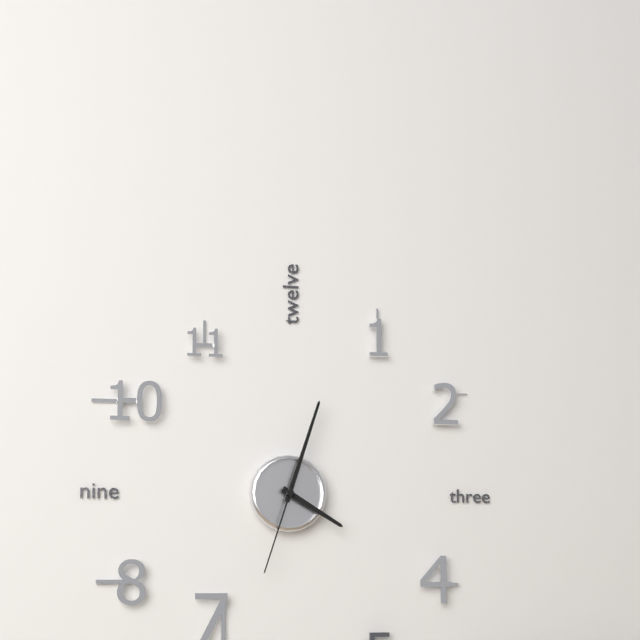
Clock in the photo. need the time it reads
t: 4:03:33
